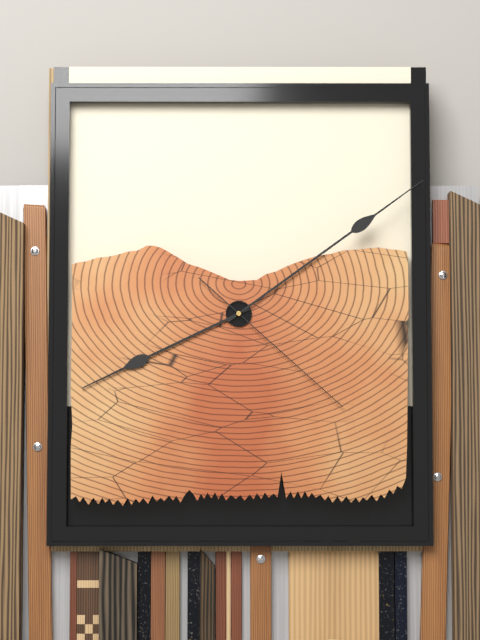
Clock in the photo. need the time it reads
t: 8:09:22
